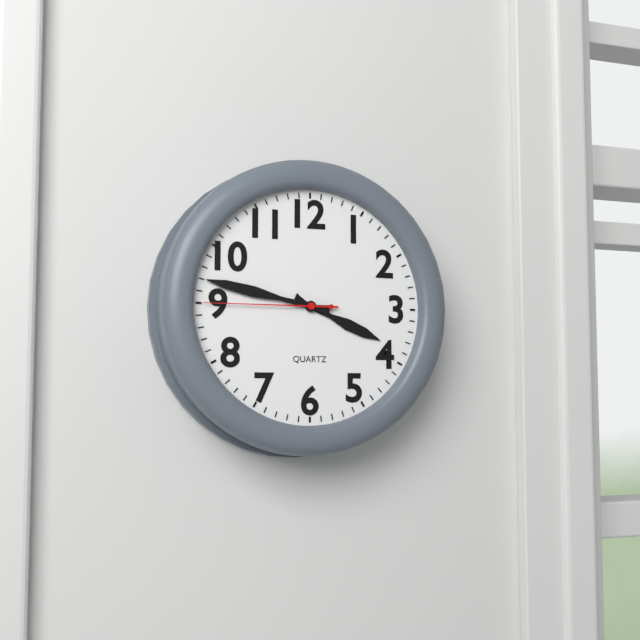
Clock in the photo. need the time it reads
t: 3:47:45
